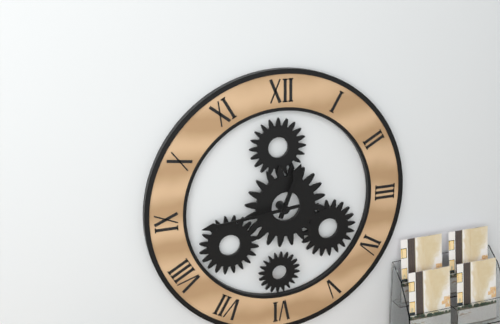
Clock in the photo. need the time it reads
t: 12:44
